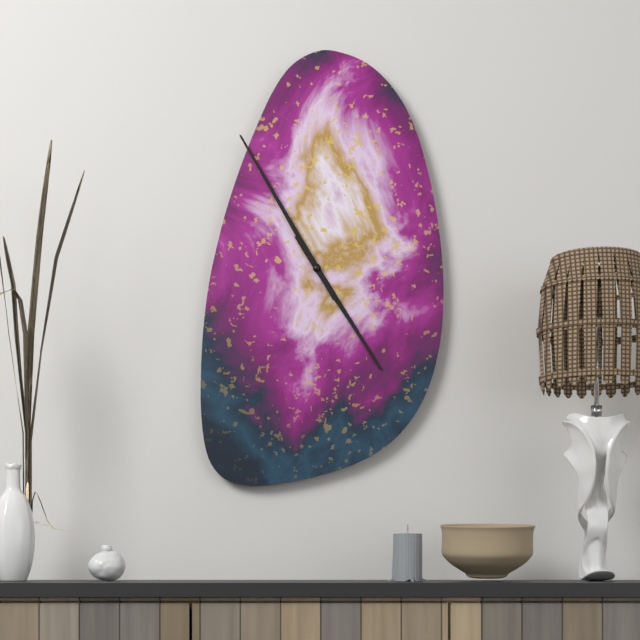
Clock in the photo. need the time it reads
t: 4:55
